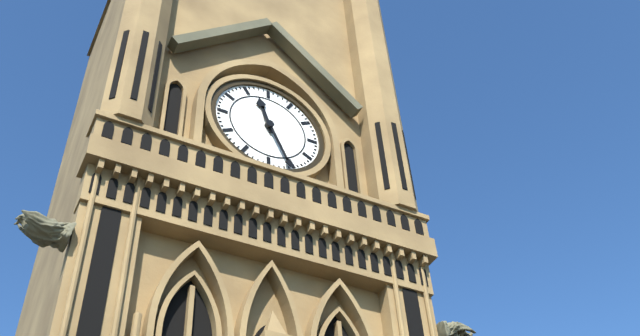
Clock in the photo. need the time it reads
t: 11:26
